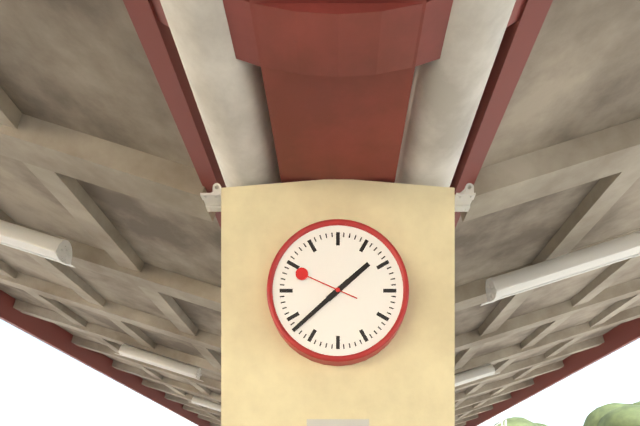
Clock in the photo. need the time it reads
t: 1:38:49
